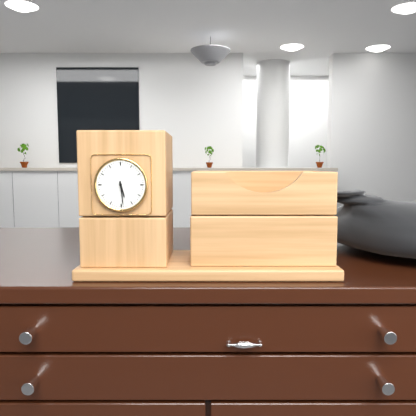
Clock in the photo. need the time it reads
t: 5:29
